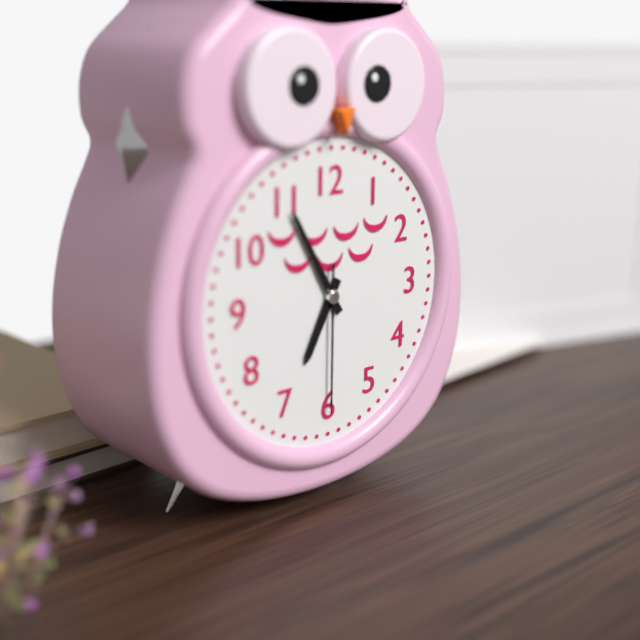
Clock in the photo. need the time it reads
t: 6:55:30
